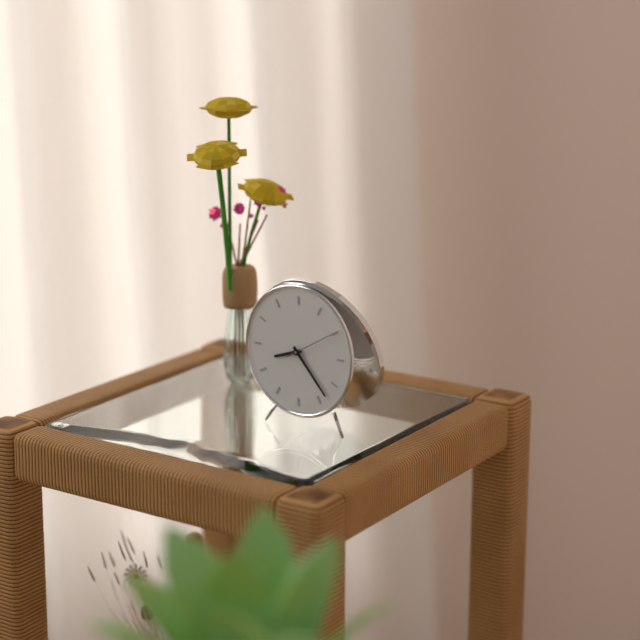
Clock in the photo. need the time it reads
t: 8:23:10
